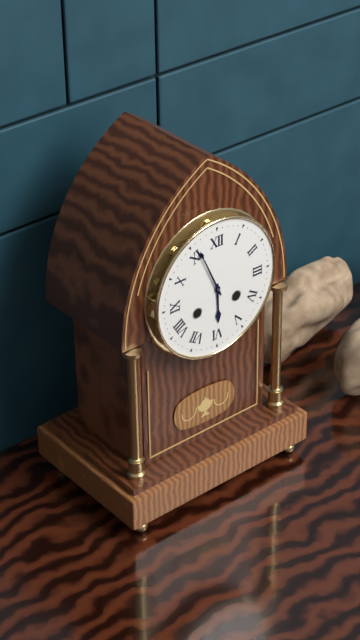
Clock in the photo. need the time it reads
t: 5:56
